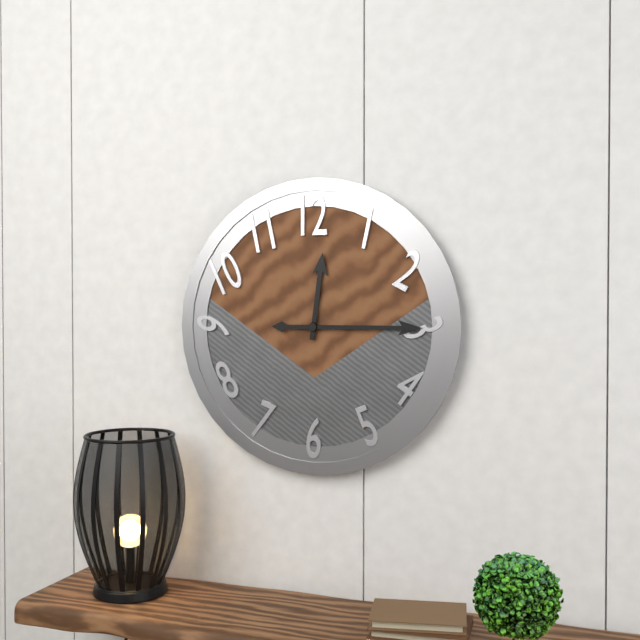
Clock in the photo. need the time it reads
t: 12:15
